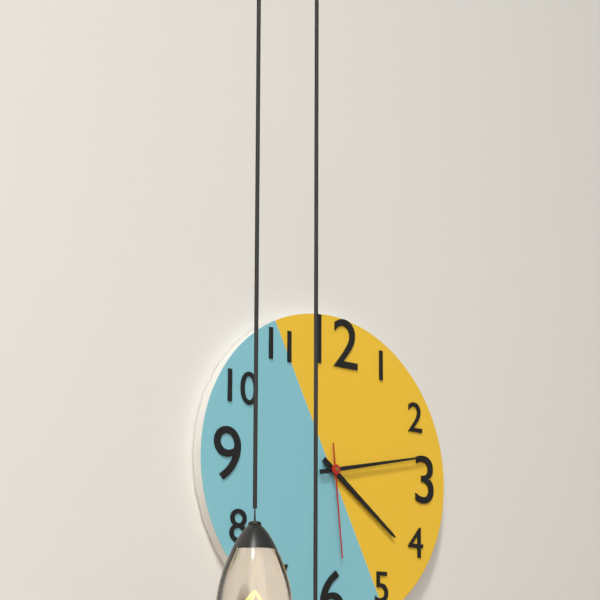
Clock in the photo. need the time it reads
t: 4:13:29
